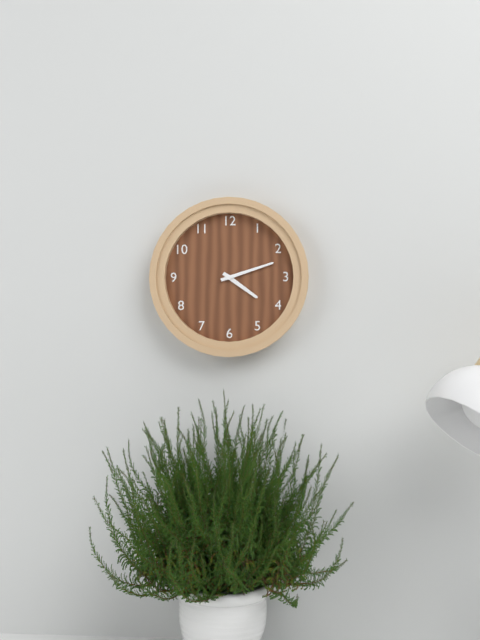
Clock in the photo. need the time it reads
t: 4:12
